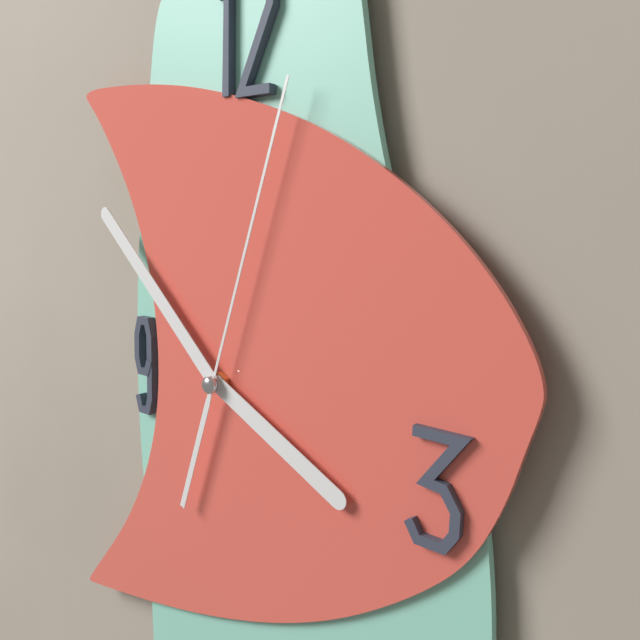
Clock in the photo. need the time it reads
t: 3:52:03
